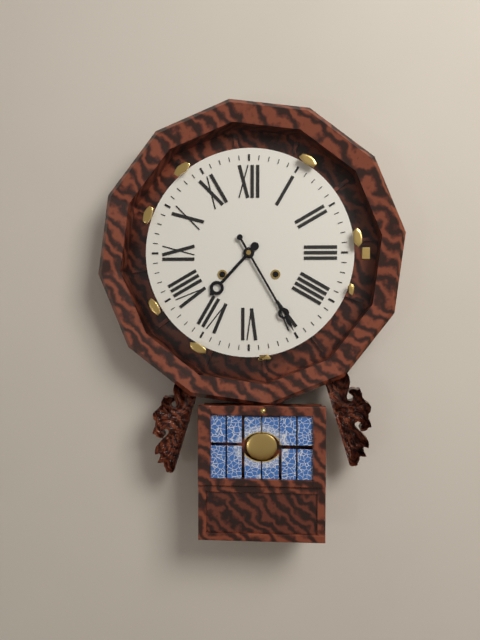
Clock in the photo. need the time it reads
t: 7:25
